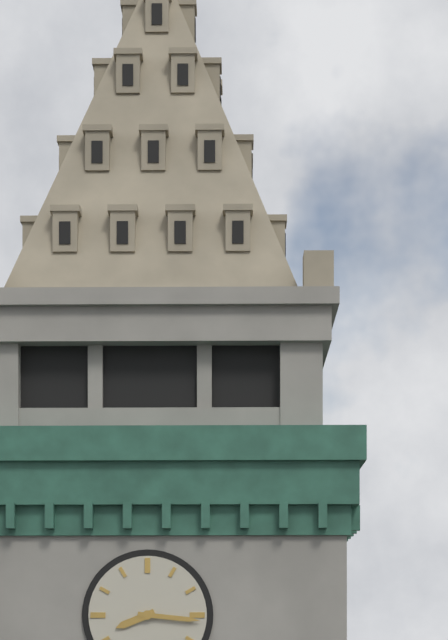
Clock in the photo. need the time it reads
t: 8:16
